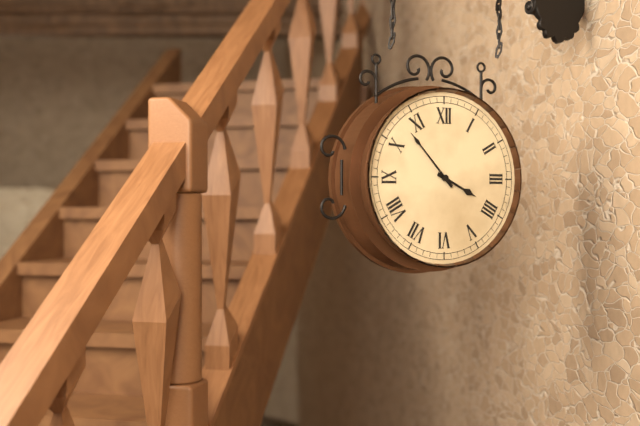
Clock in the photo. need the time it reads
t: 3:53
